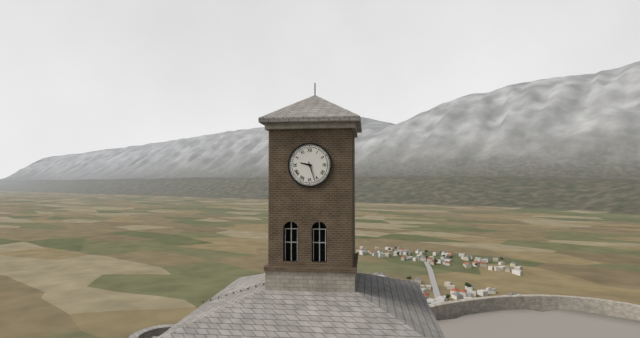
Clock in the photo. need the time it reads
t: 9:27
